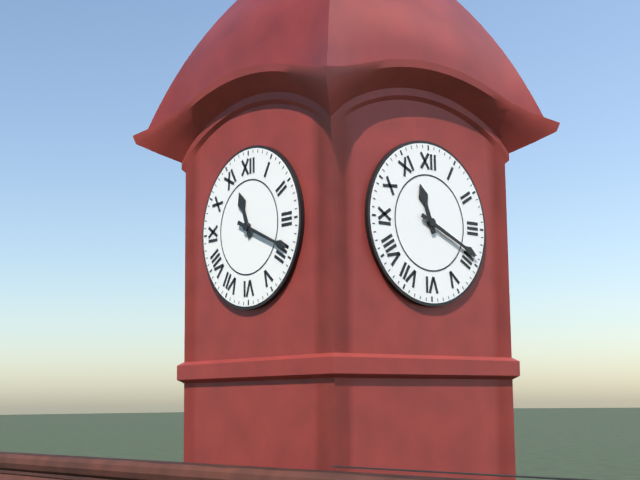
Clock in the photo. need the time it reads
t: 11:19
